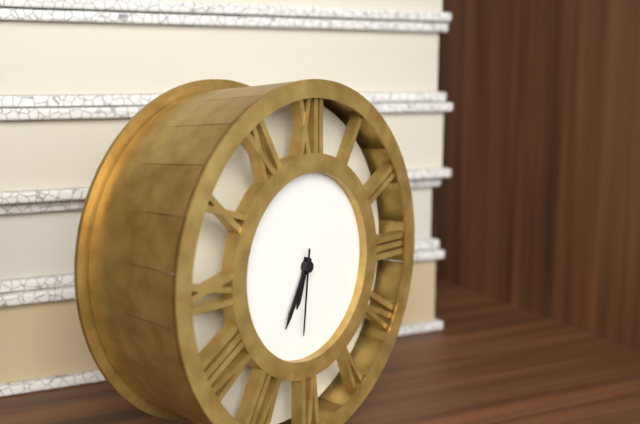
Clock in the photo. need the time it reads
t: 6:35:31
